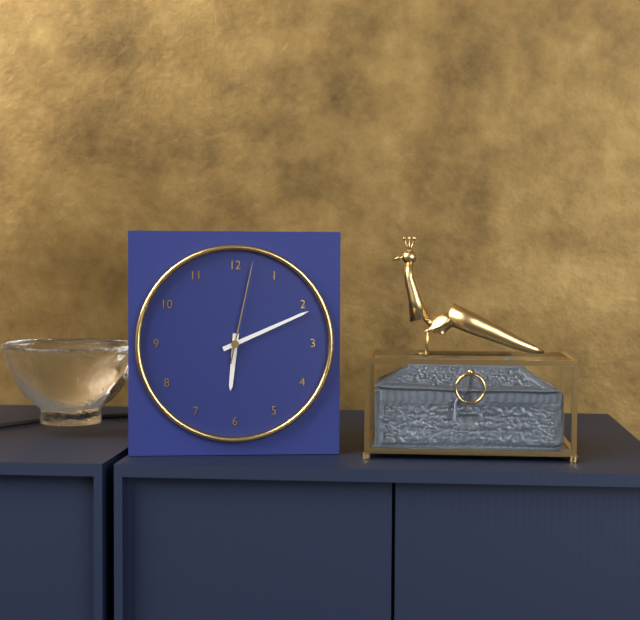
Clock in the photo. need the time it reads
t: 6:11:02
